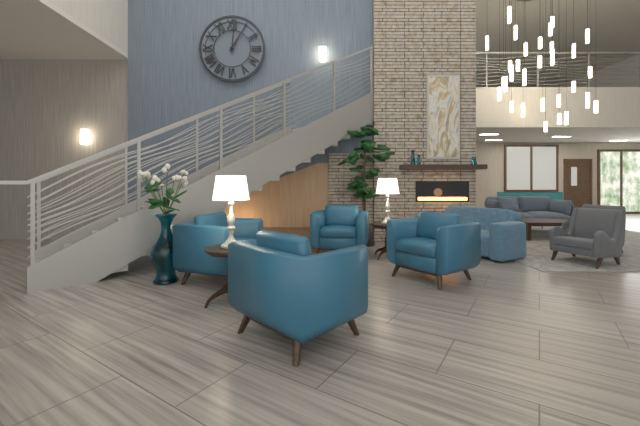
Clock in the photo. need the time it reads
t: 1:01
